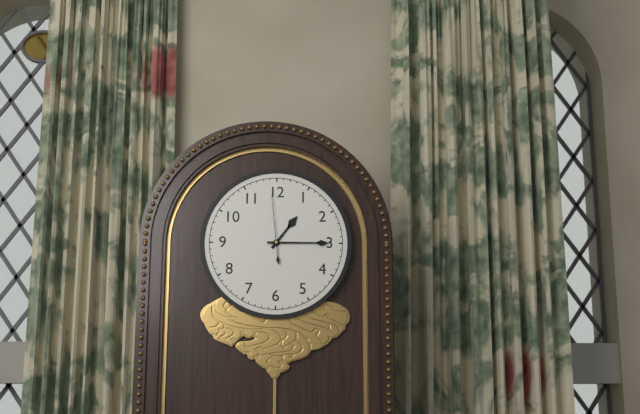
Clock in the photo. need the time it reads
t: 1:15:59
